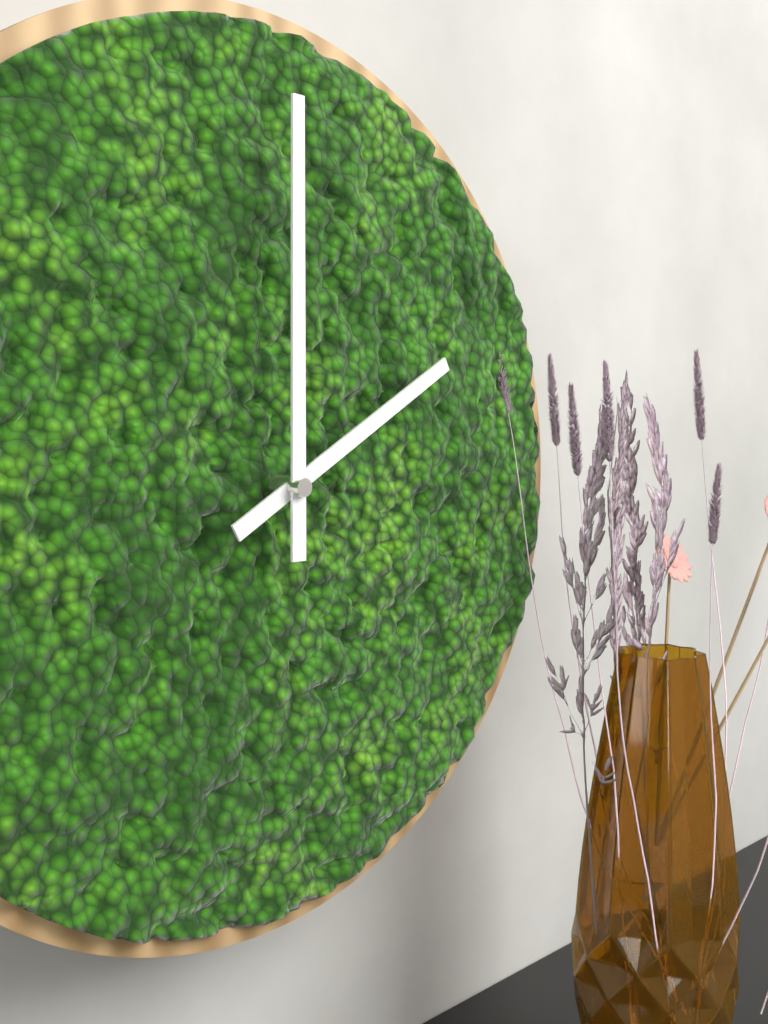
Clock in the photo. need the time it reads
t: 2:00
